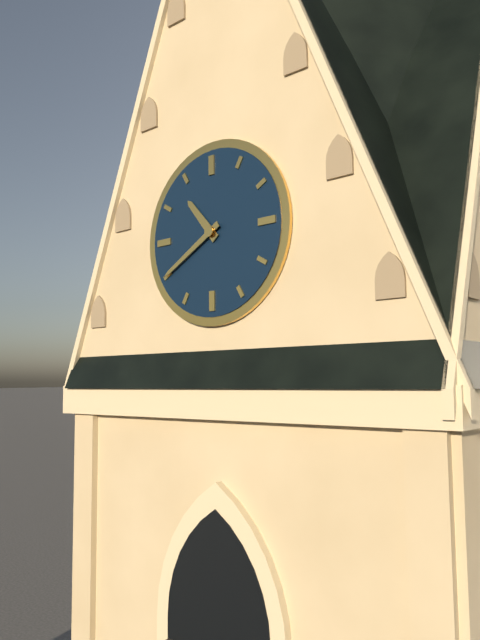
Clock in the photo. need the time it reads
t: 10:40
